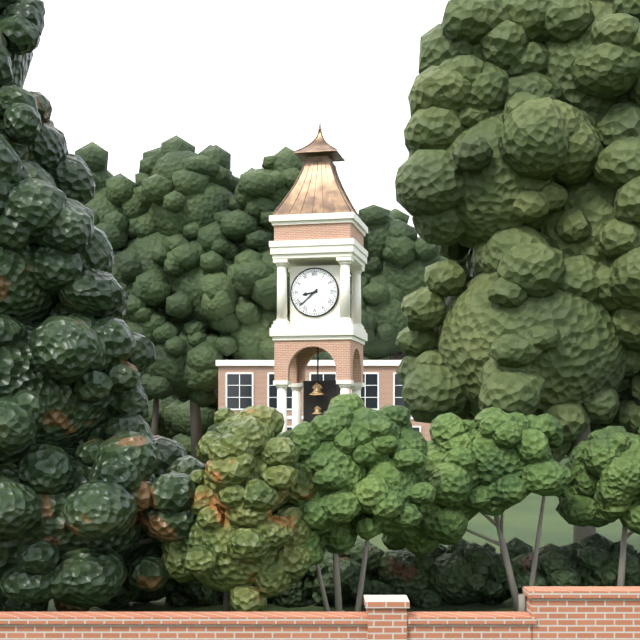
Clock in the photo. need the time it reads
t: 8:38
